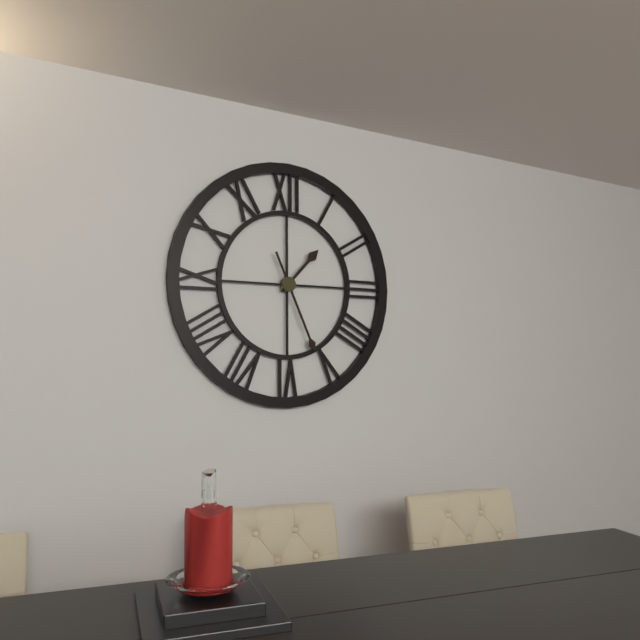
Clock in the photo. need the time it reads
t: 1:26
